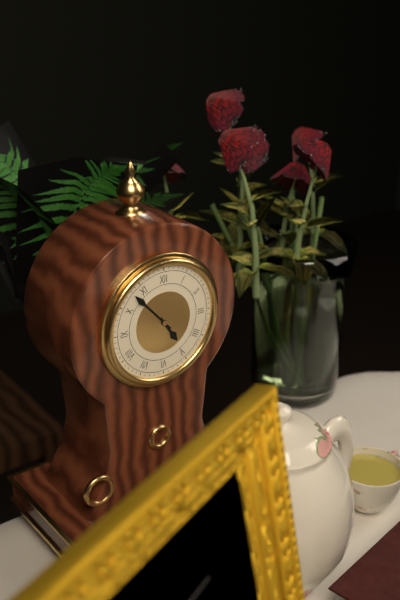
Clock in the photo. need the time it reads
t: 4:53
